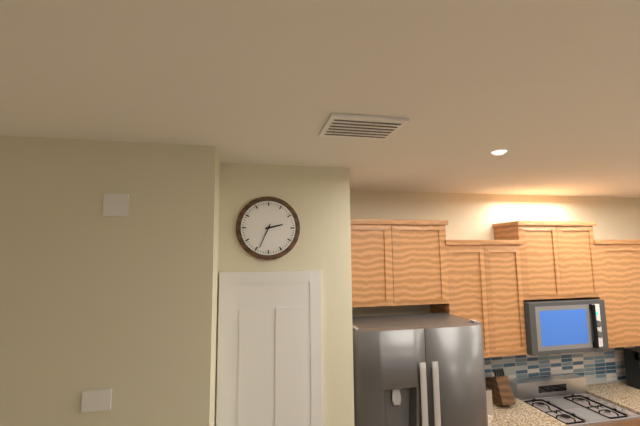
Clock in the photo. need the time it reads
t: 2:34
